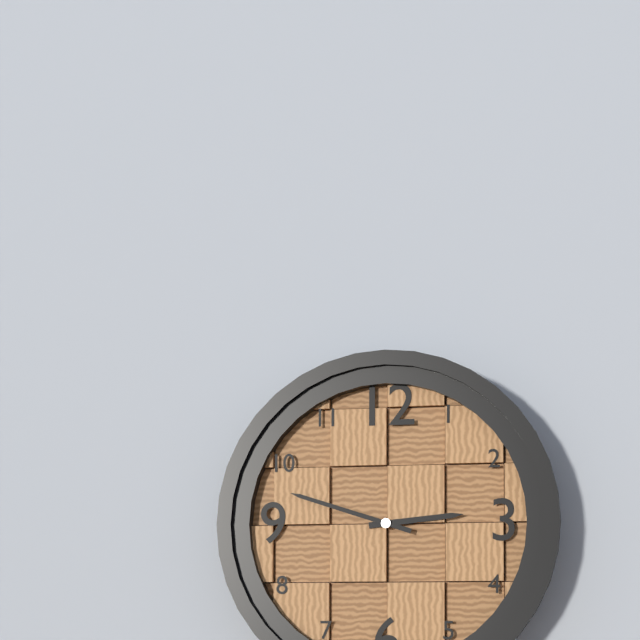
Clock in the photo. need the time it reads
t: 2:48
